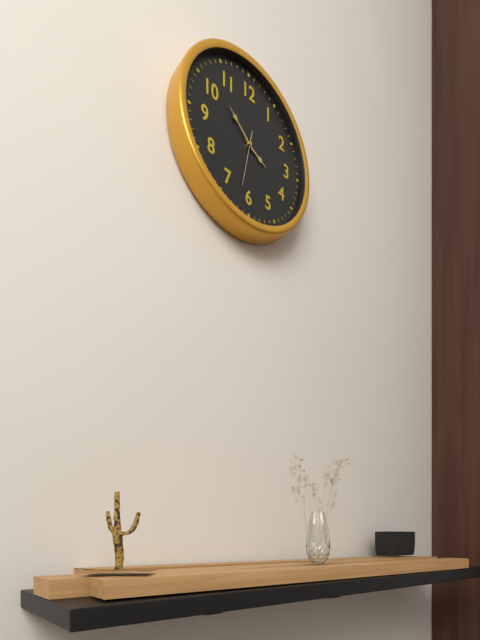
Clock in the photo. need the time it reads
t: 3:52
